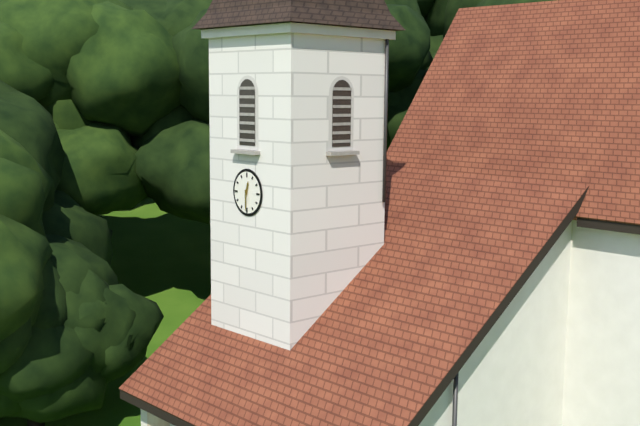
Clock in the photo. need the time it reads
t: 12:30
